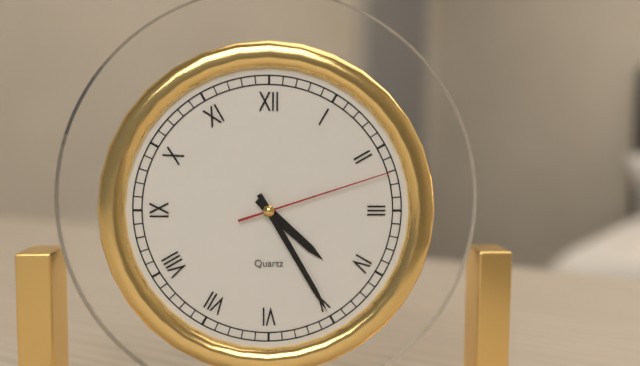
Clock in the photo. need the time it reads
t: 4:25:12
